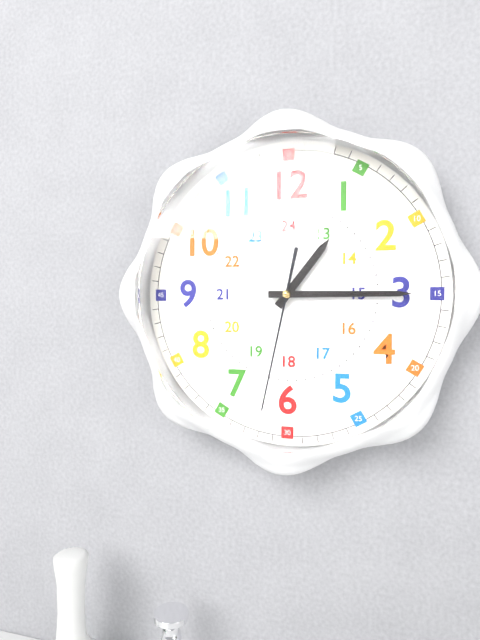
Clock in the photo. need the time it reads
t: 1:15:32
